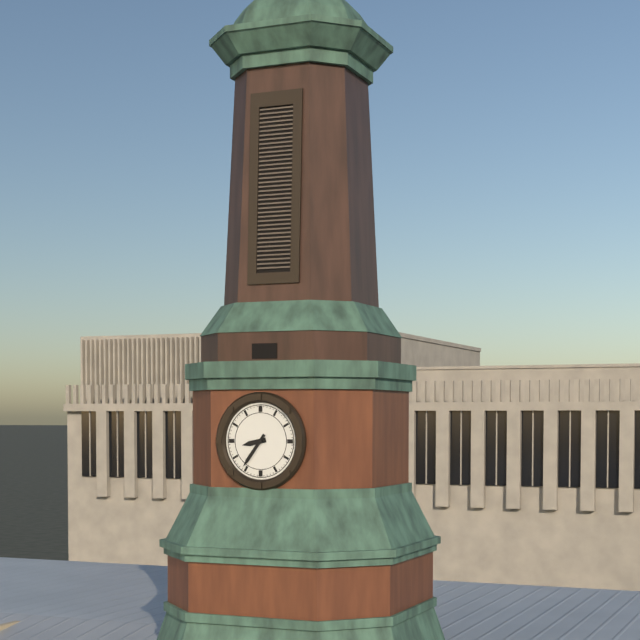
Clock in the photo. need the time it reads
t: 8:36
